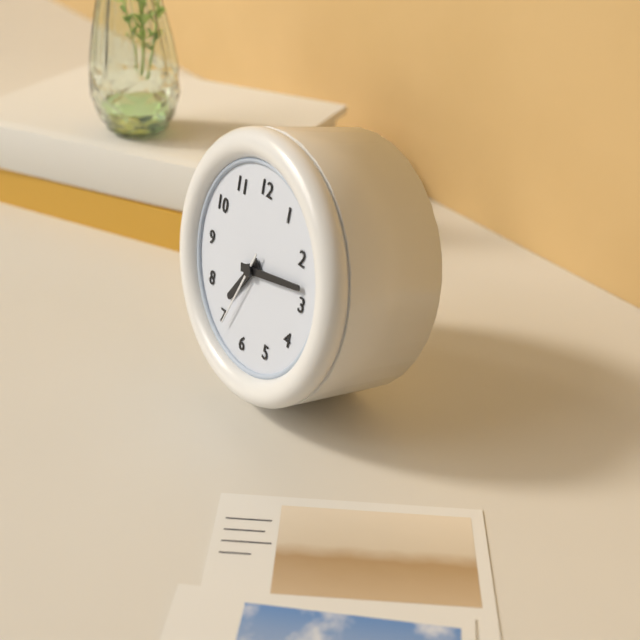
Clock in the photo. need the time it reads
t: 7:13:34
